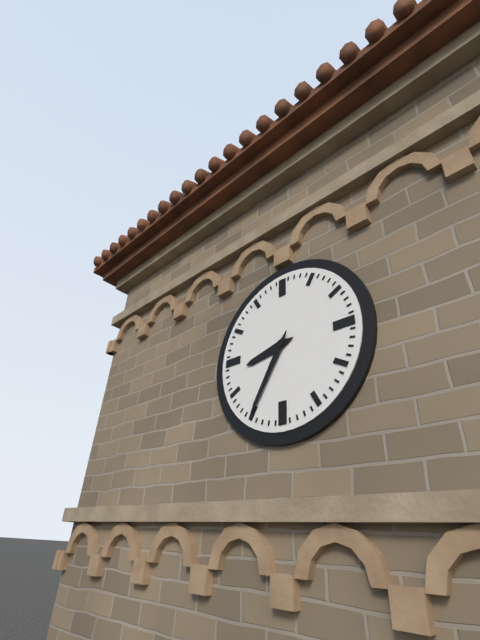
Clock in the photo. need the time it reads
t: 8:35
